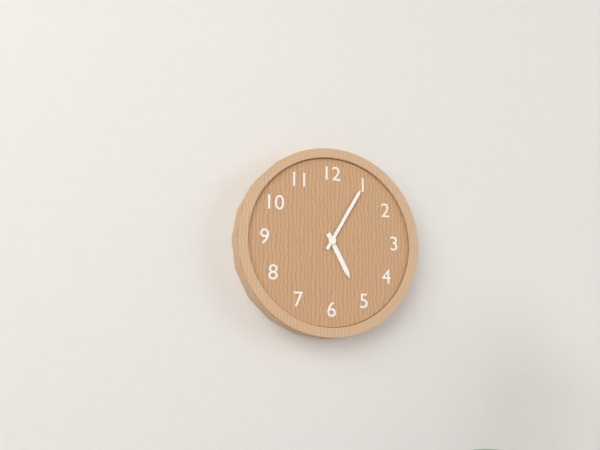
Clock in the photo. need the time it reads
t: 5:05
